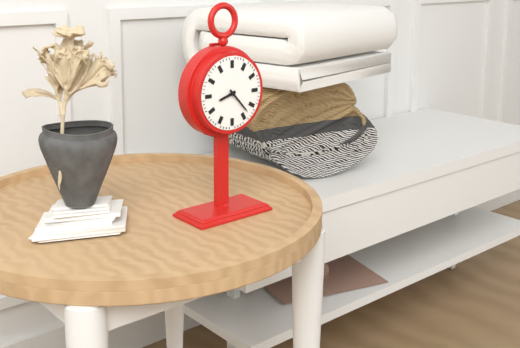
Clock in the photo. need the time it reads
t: 8:23
